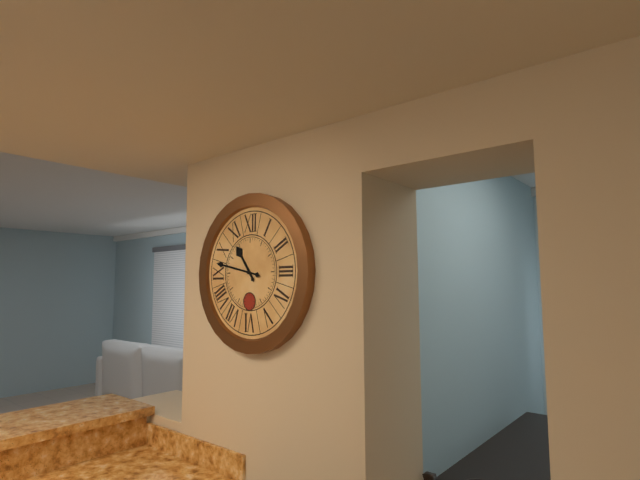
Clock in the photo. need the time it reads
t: 10:47
